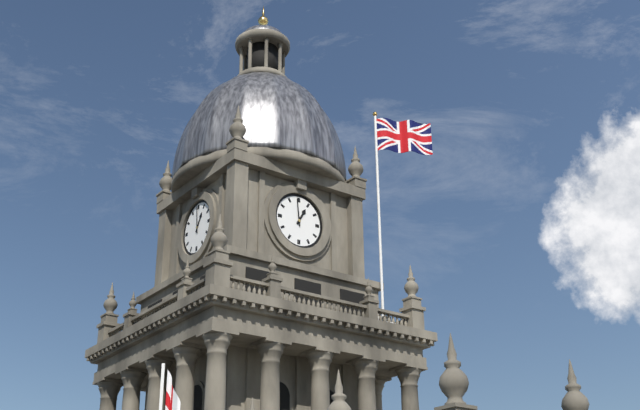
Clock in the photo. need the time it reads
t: 12:59
